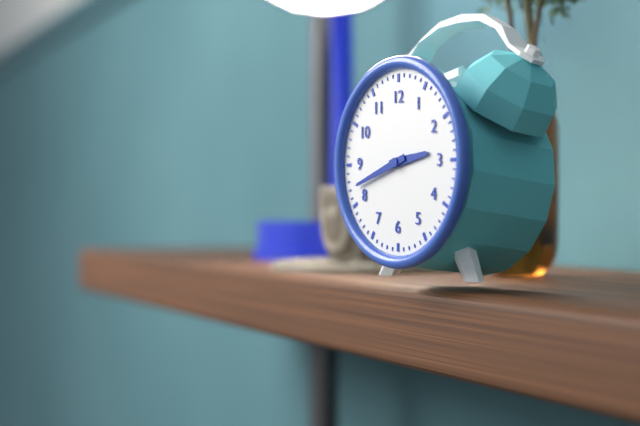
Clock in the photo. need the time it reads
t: 2:42
